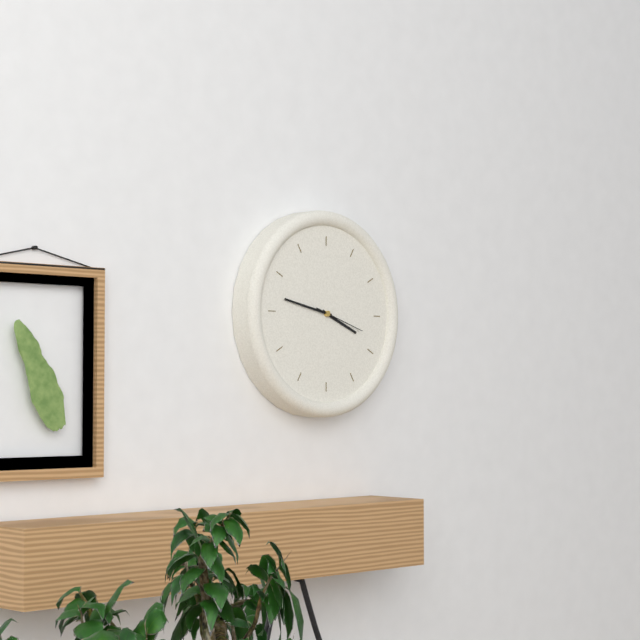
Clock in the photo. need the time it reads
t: 3:47
